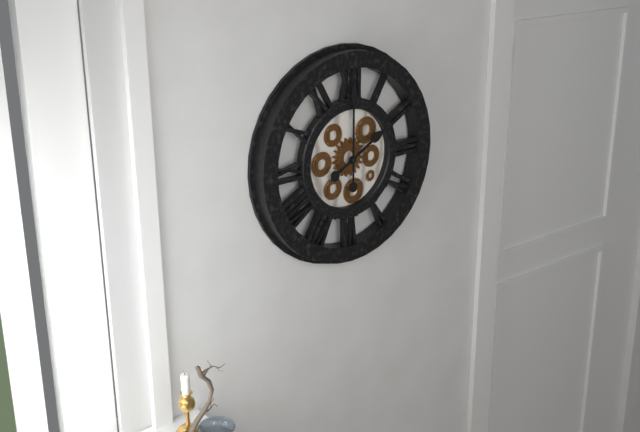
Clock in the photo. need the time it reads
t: 2:00
